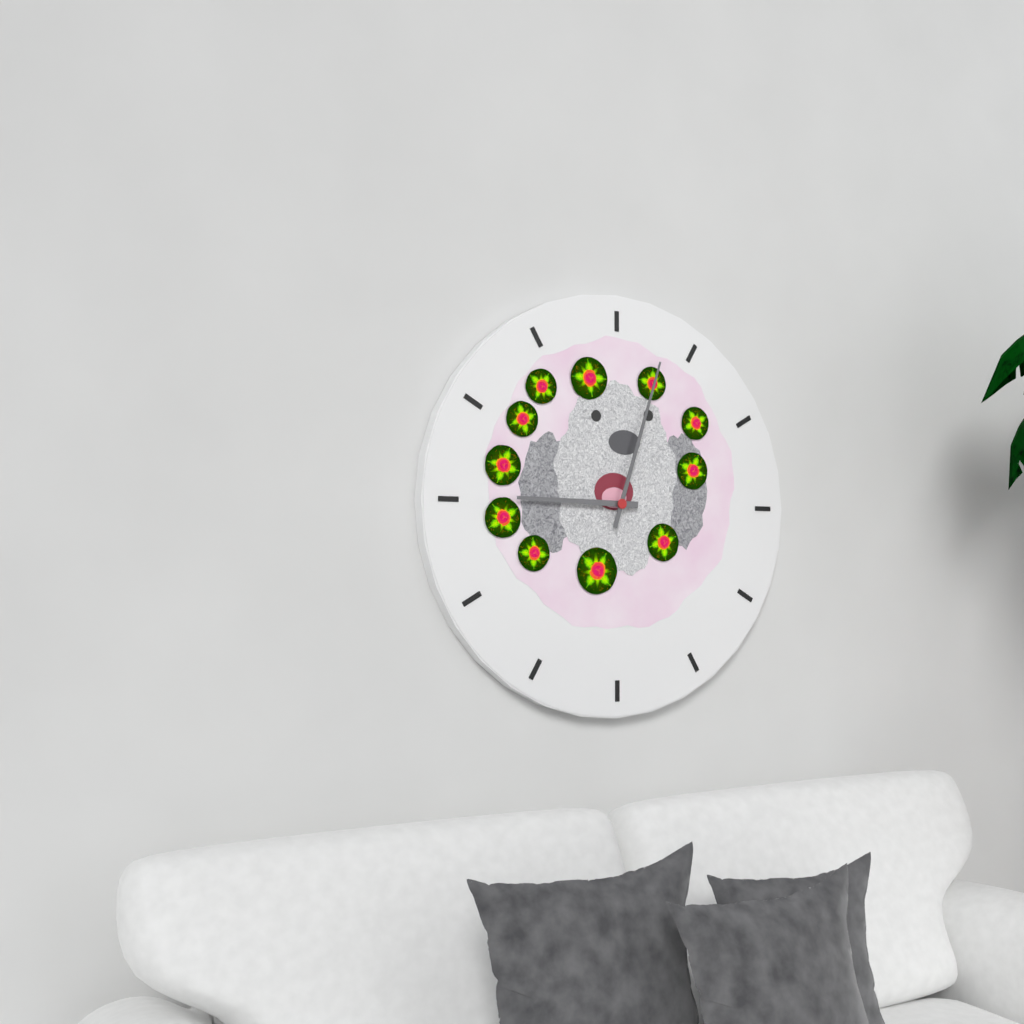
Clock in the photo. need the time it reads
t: 9:03
